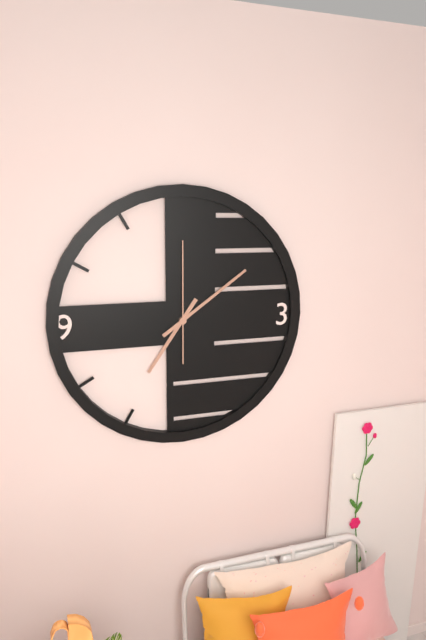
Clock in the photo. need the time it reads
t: 7:09:00
